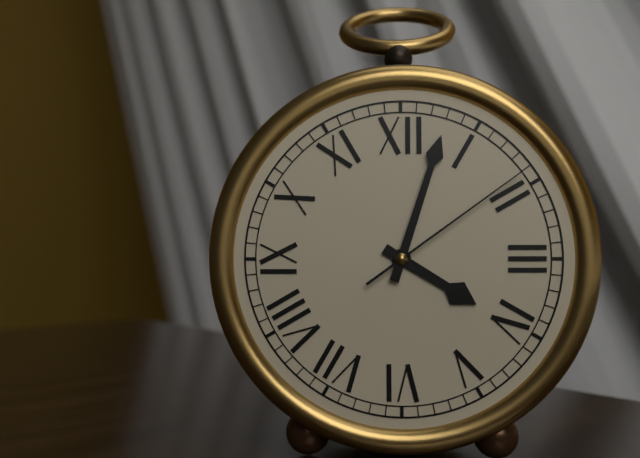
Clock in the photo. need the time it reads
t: 4:03:09
